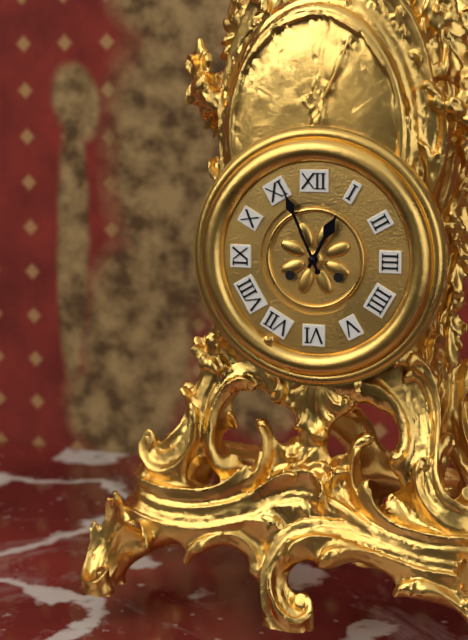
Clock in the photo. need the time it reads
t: 12:56
